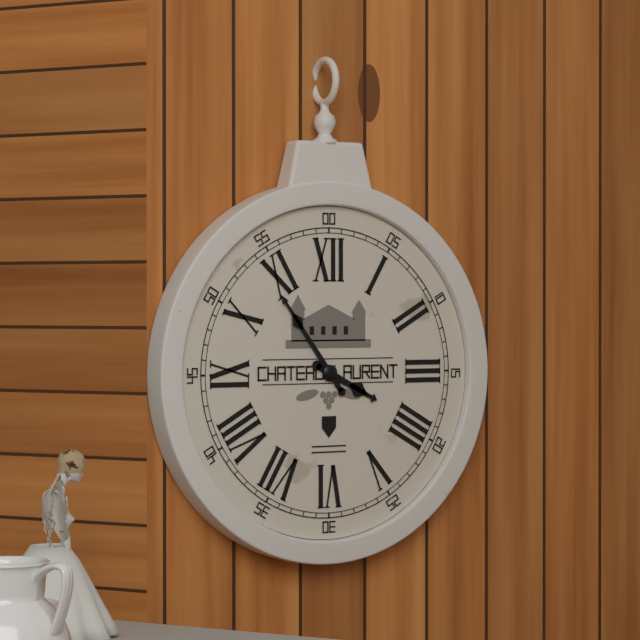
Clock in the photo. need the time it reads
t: 3:54
